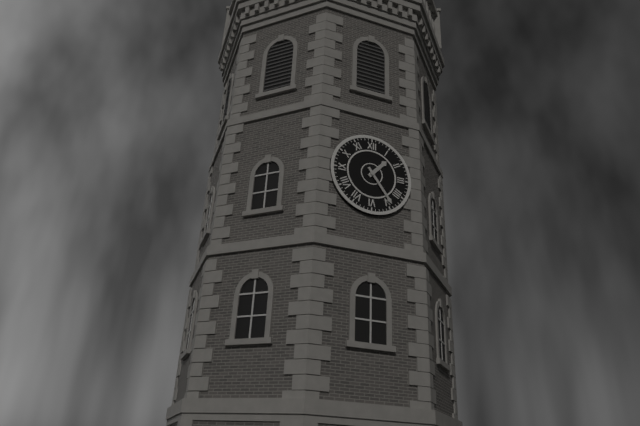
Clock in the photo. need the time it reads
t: 1:24
